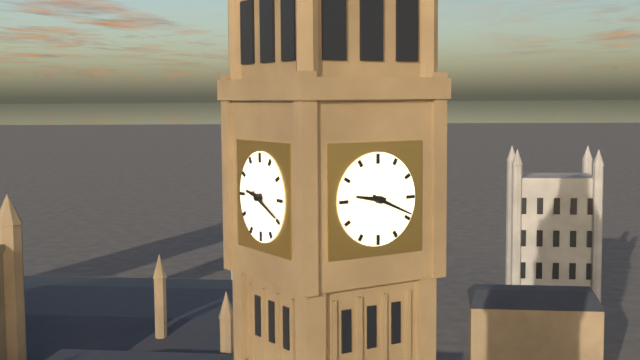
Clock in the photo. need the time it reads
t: 9:19
